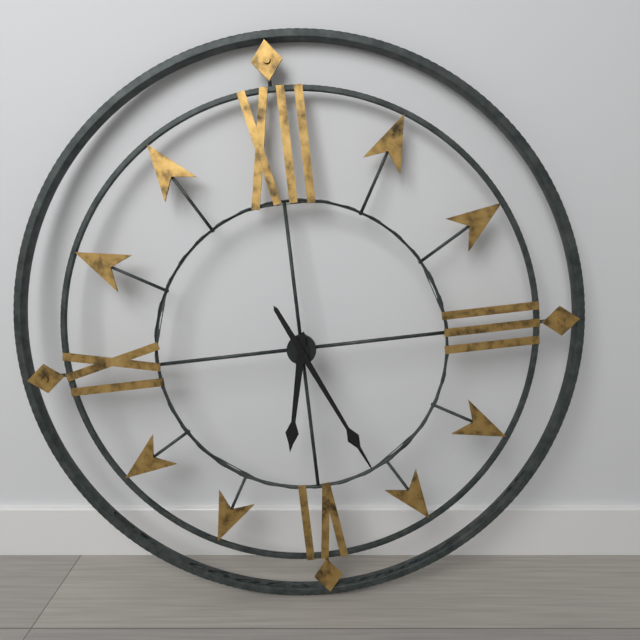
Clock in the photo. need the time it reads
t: 6:26
